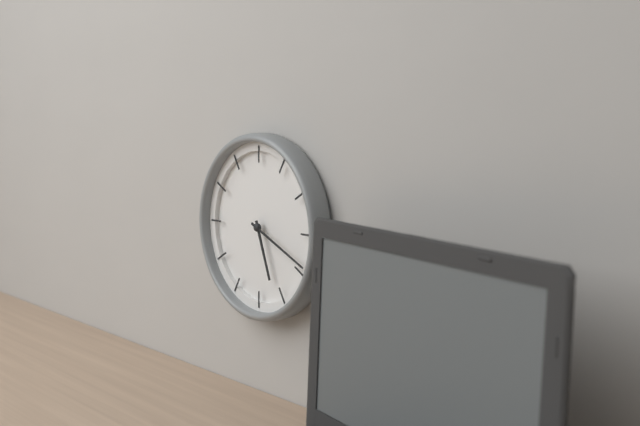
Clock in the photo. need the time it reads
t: 5:19
